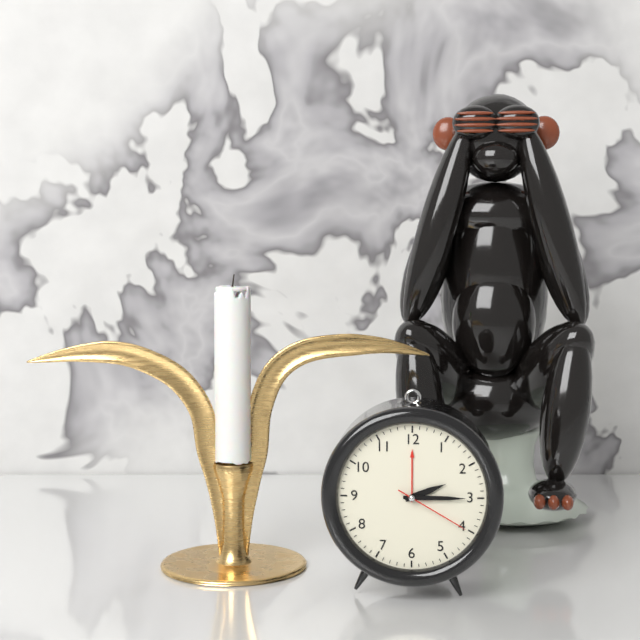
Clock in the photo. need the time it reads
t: 2:15:20
